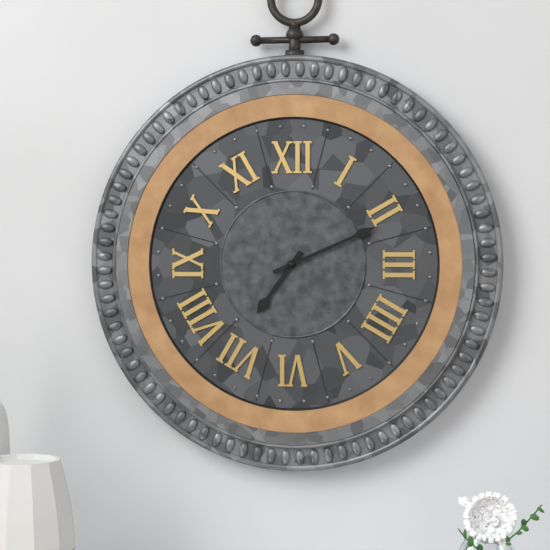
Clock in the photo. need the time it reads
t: 7:11
